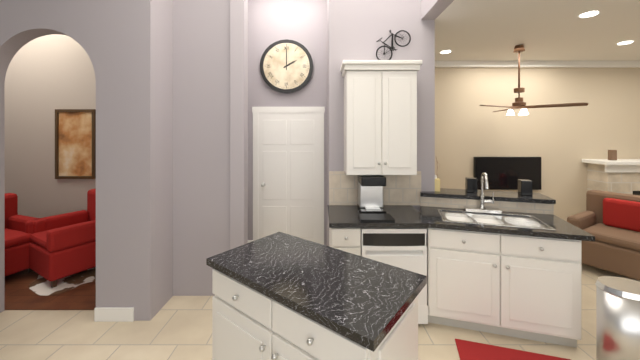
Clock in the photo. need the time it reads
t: 2:00
